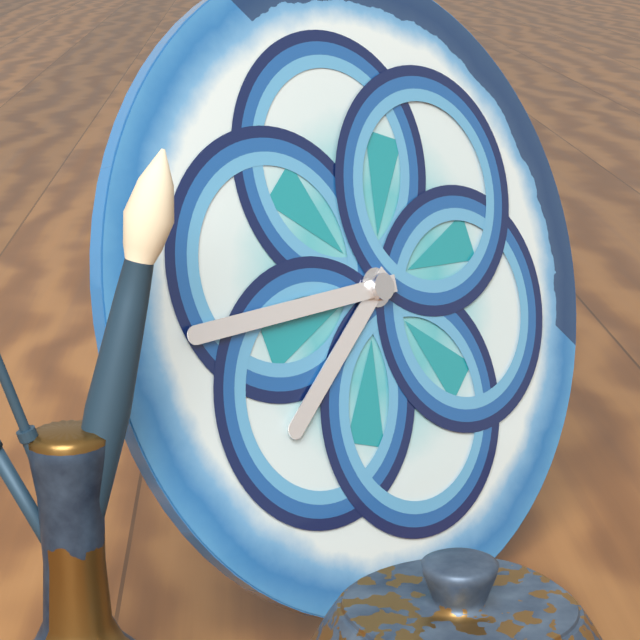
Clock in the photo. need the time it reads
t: 7:45
